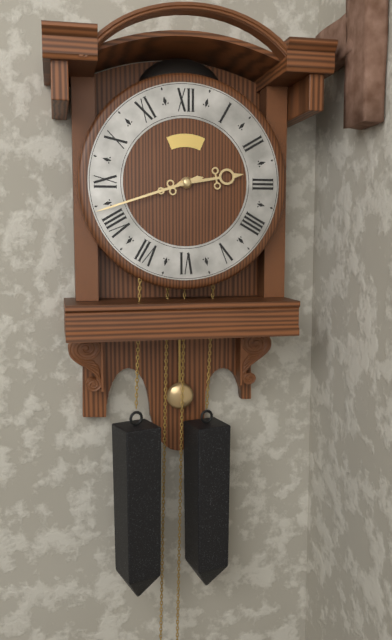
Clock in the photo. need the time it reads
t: 2:42
